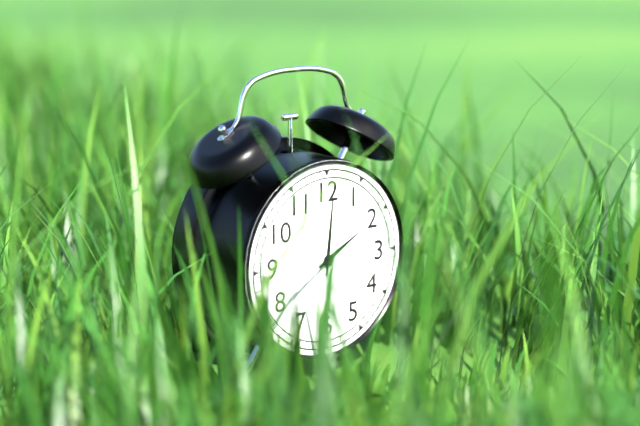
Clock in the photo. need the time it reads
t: 2:01
